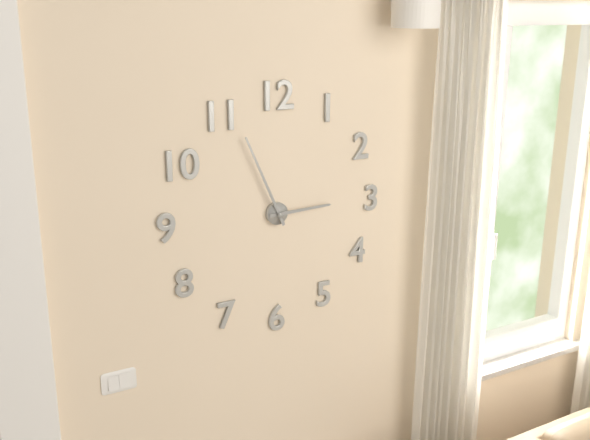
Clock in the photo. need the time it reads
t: 2:56
